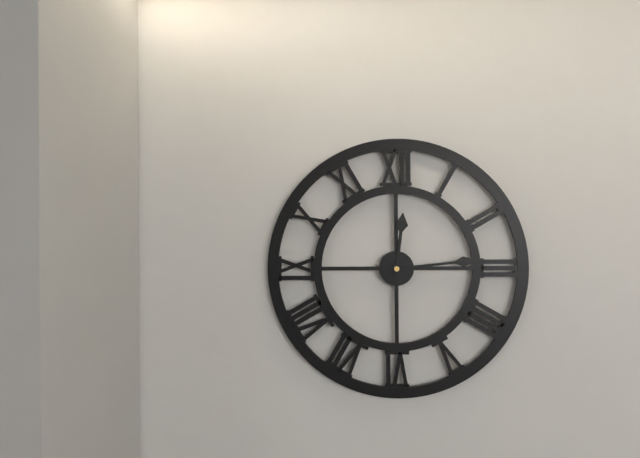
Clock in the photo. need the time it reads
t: 12:14
